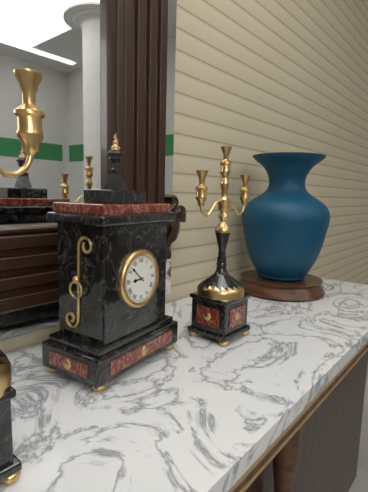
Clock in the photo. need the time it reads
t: 8:52
